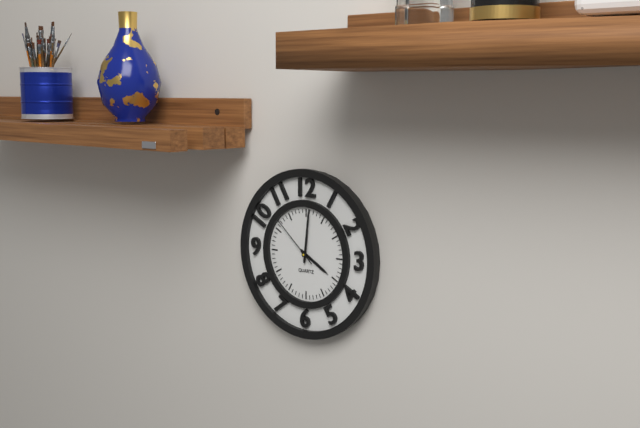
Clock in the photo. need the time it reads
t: 4:01:52
